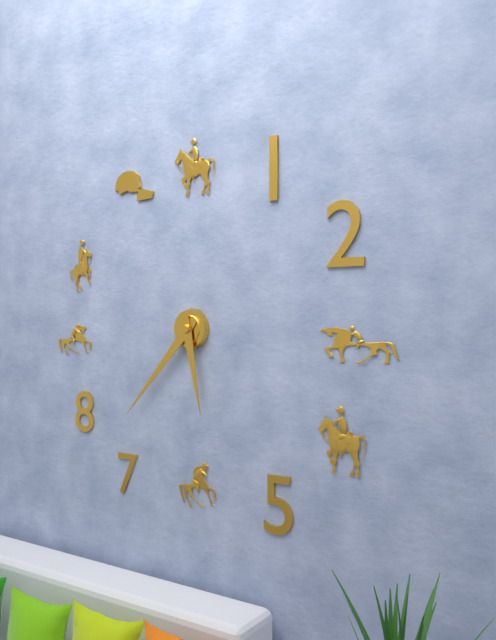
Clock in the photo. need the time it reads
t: 5:37
